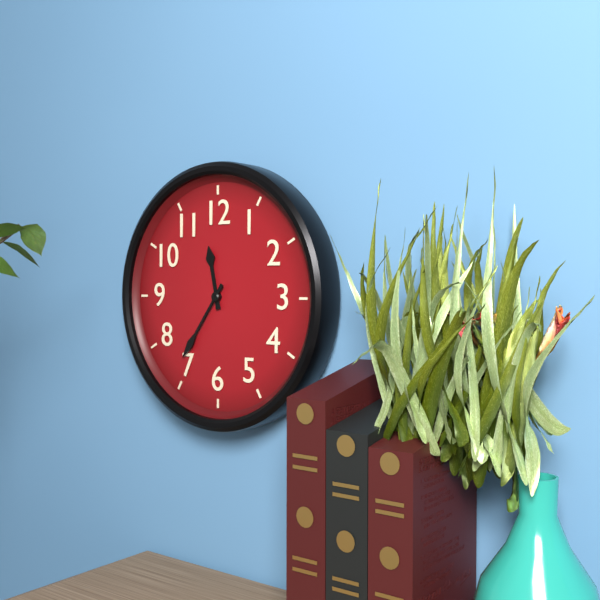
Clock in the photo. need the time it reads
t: 11:36
